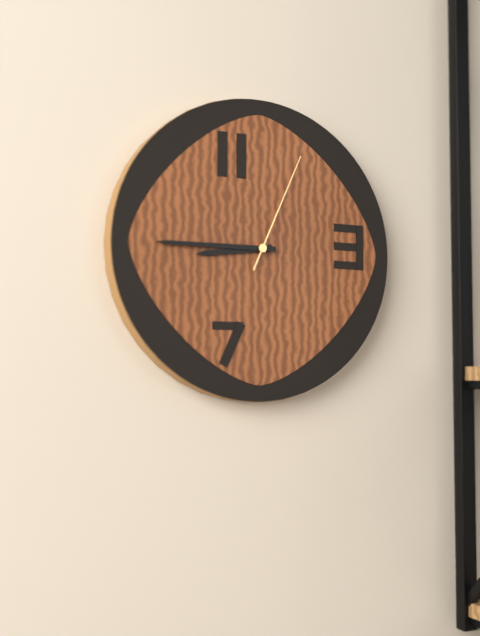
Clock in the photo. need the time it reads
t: 8:45:04
